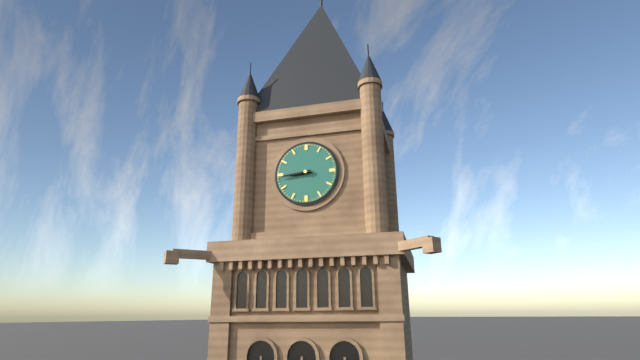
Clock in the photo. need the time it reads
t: 8:44
